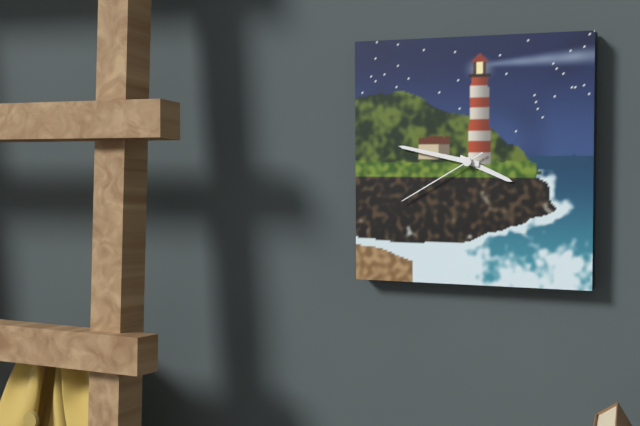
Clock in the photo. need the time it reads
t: 3:47:40
